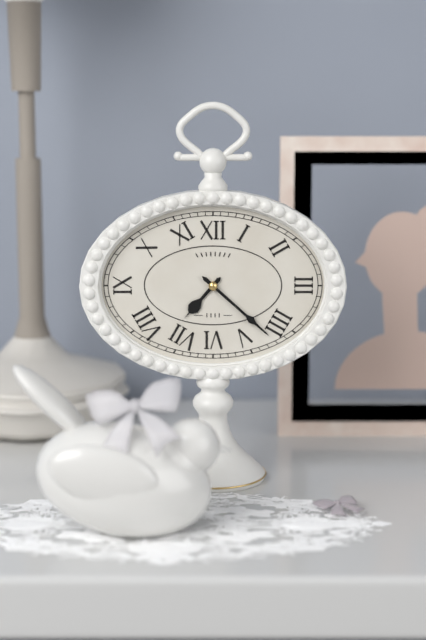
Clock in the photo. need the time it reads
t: 7:22
